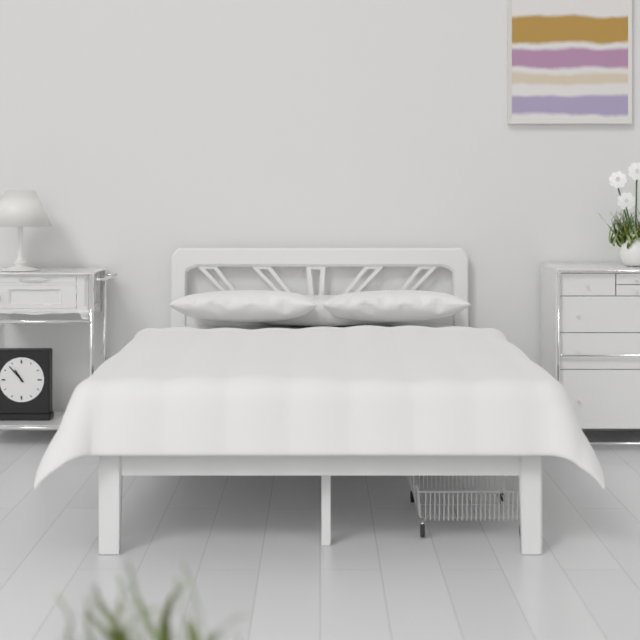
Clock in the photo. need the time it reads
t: 10:53
